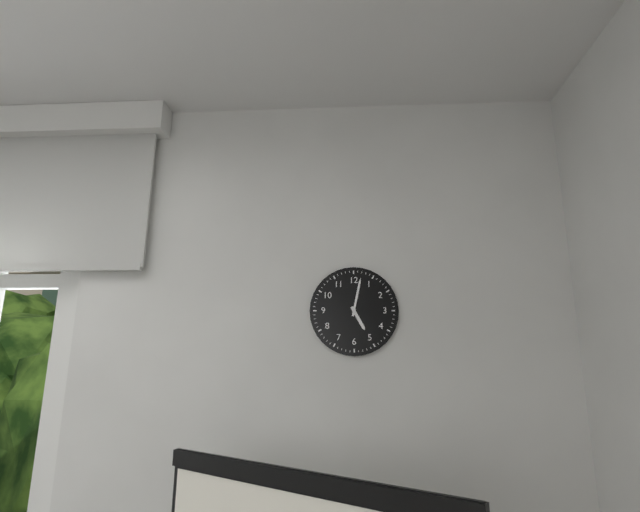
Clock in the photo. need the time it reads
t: 5:02
